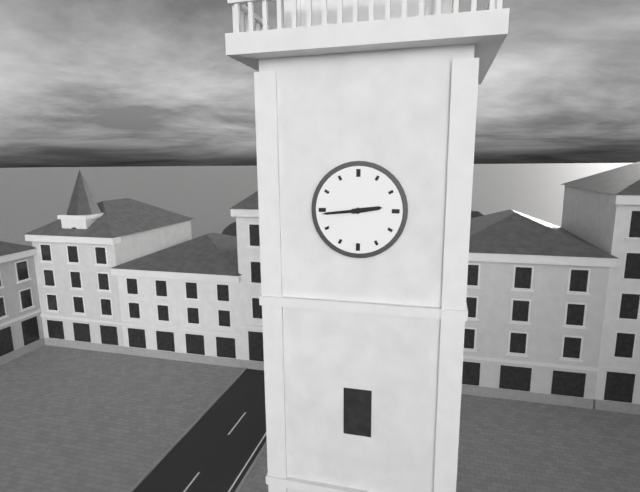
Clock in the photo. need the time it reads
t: 2:44
